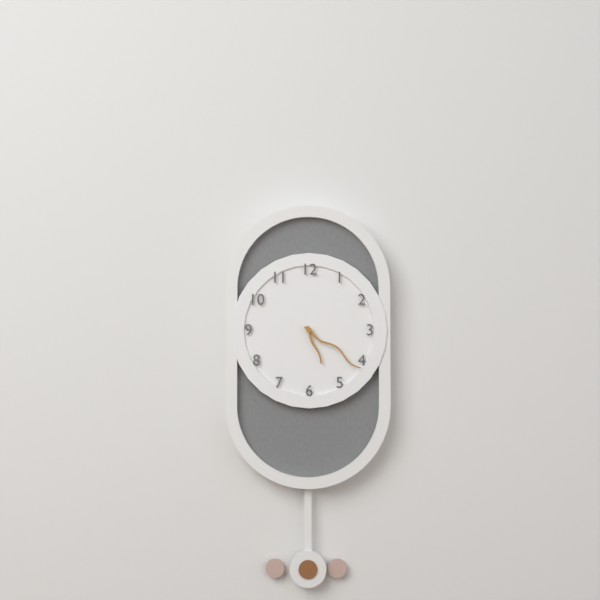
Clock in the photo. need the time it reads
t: 5:21
